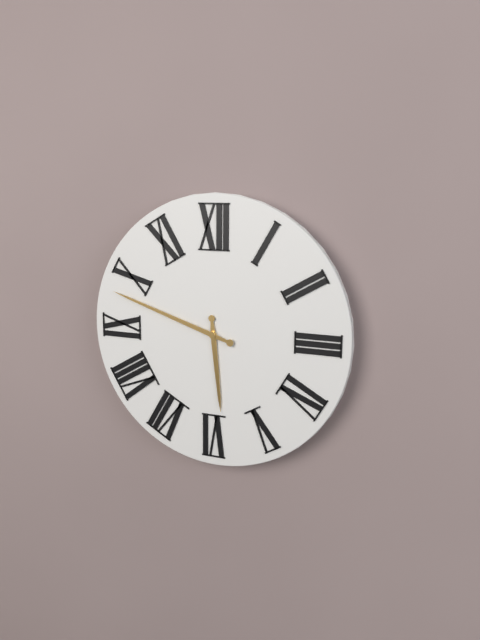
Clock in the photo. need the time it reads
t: 5:48
